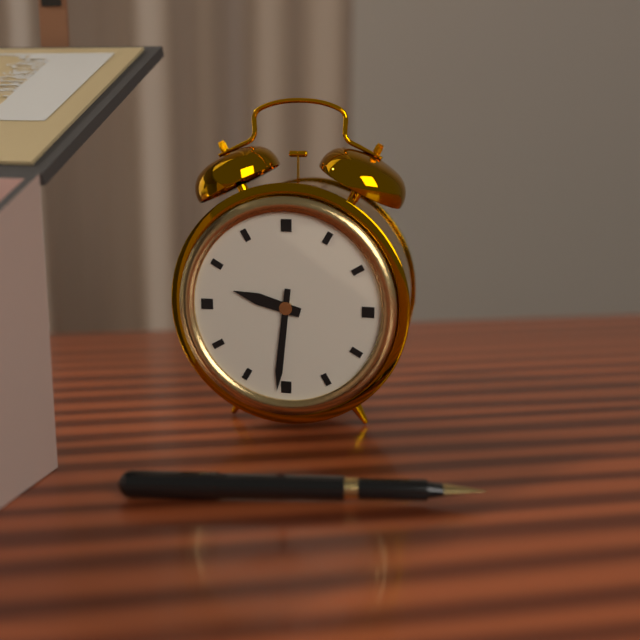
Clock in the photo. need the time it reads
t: 9:31
